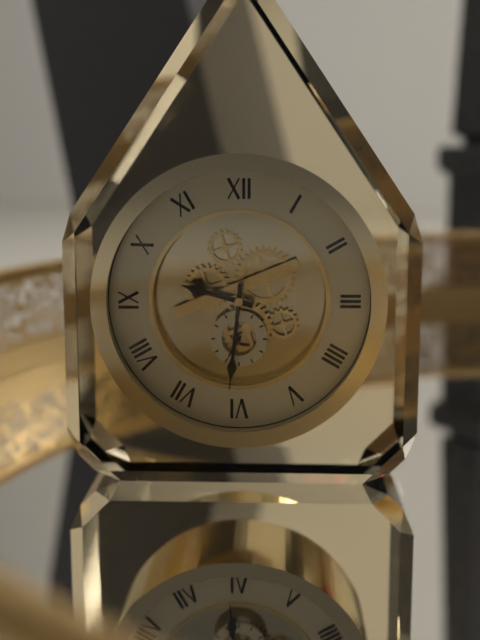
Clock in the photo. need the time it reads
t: 9:31
